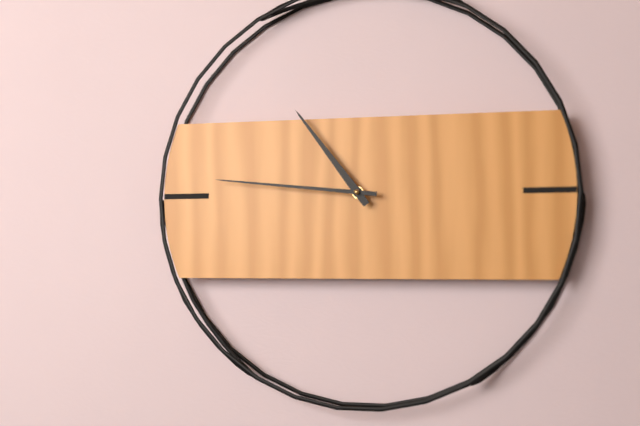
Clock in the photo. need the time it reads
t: 10:46
